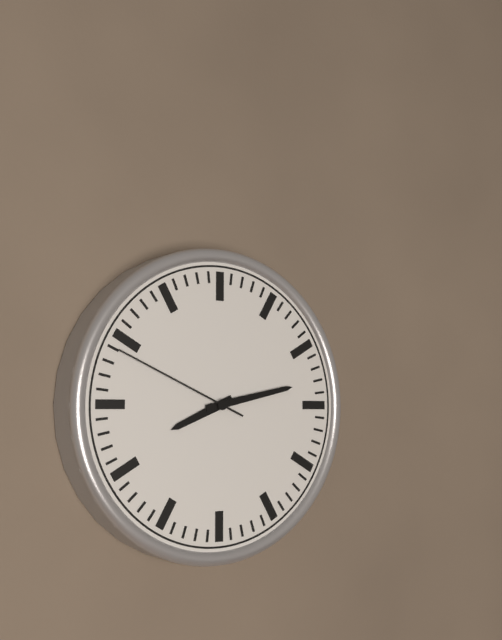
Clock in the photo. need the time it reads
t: 8:13:49
